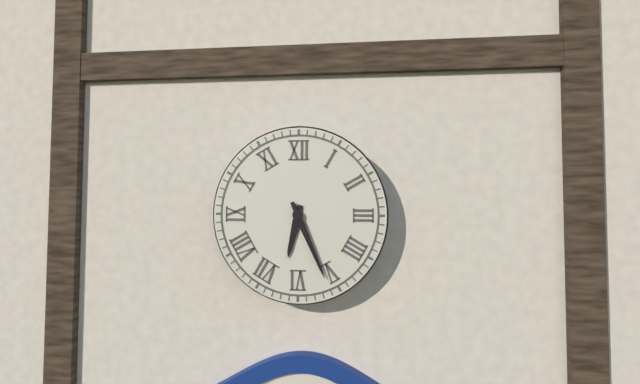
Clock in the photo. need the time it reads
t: 6:26
